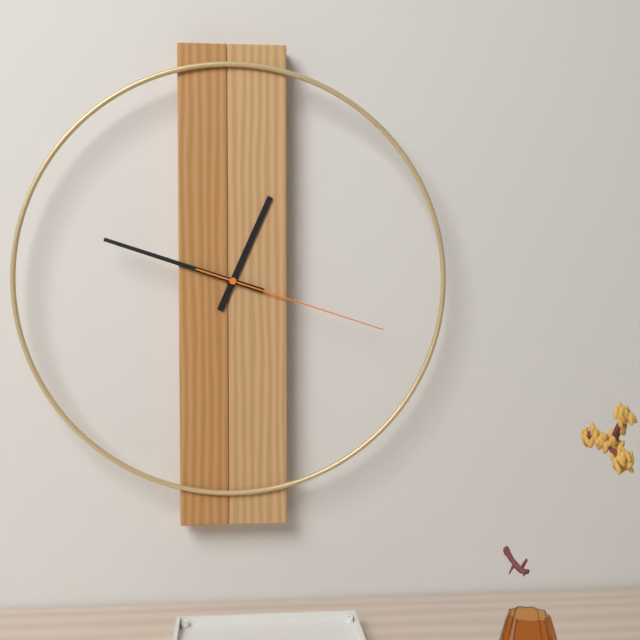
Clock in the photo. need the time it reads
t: 12:48:18
